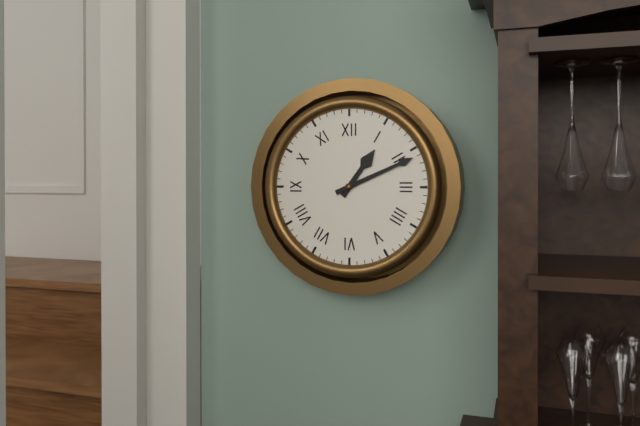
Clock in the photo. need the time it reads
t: 1:11
